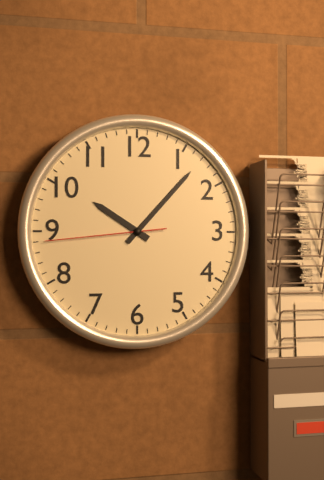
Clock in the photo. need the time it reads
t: 10:07:44
